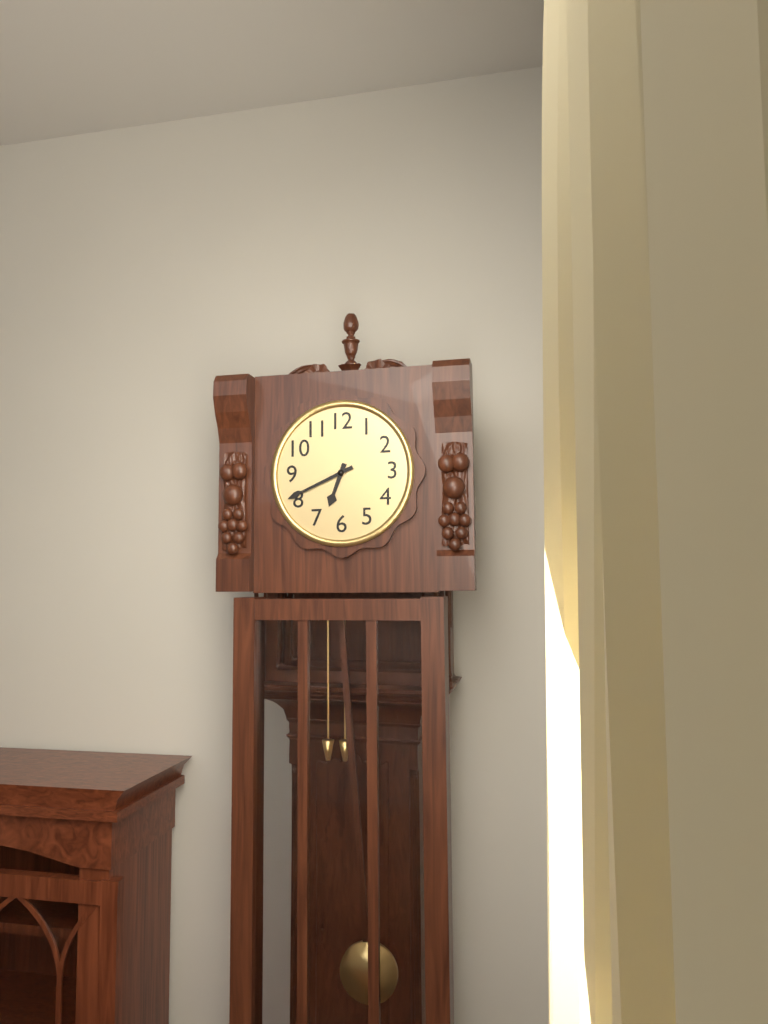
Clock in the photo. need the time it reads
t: 6:41
